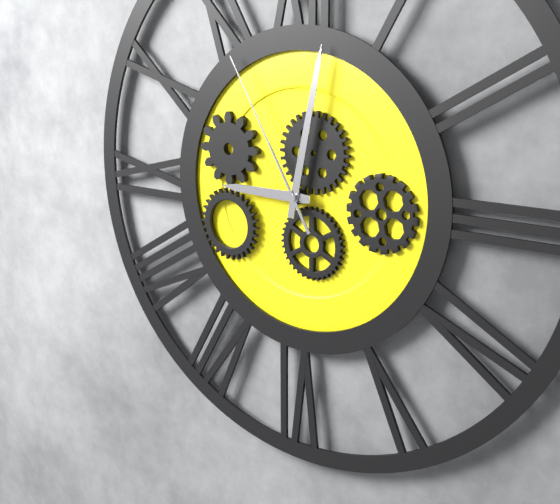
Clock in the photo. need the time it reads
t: 9:02:55
